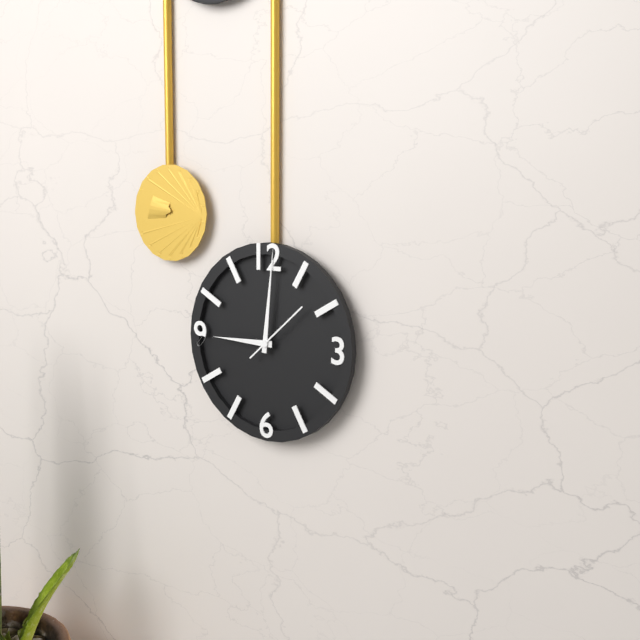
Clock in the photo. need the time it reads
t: 9:01:08
